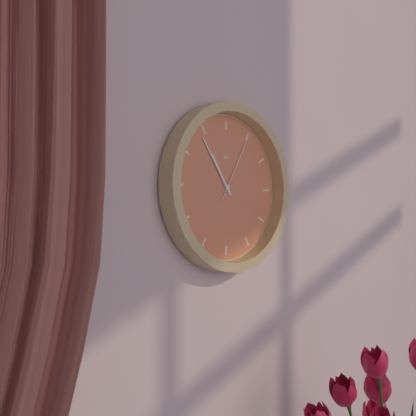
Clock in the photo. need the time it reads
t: 10:54:05
